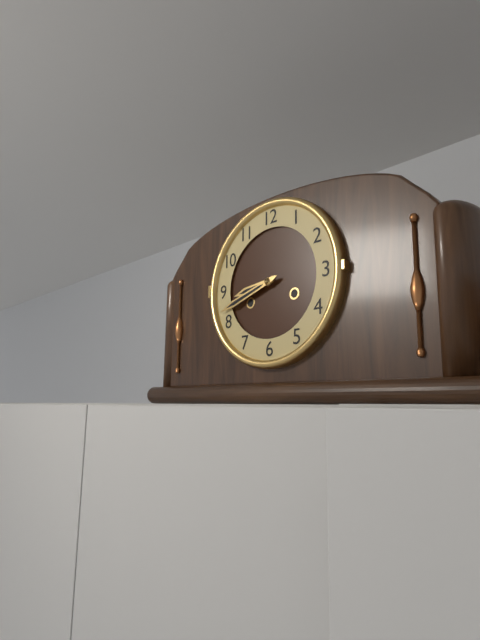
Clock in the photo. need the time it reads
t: 8:42
